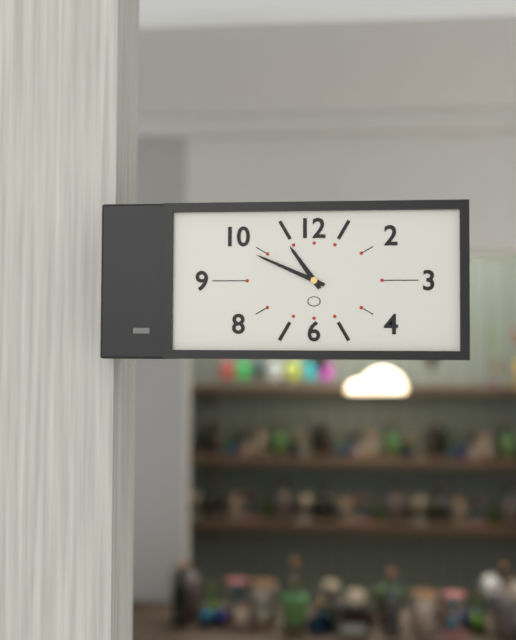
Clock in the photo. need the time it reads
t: 10:49
